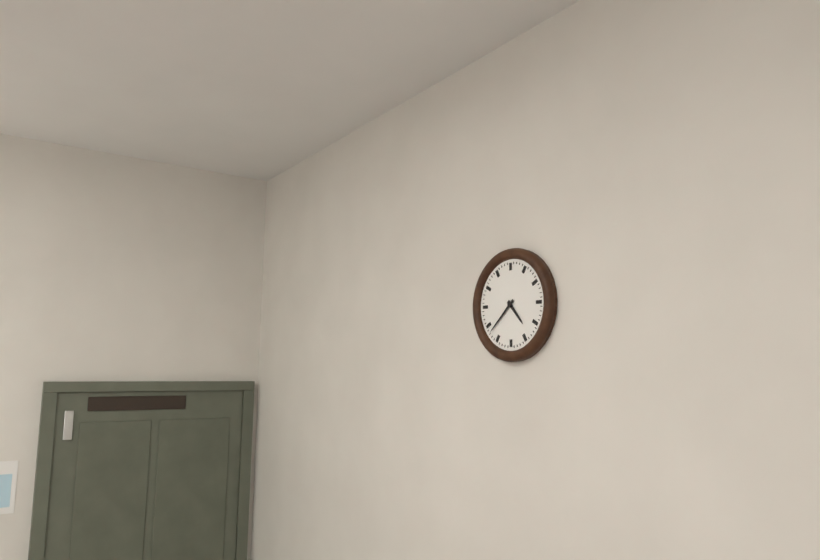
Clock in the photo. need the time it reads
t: 4:38
